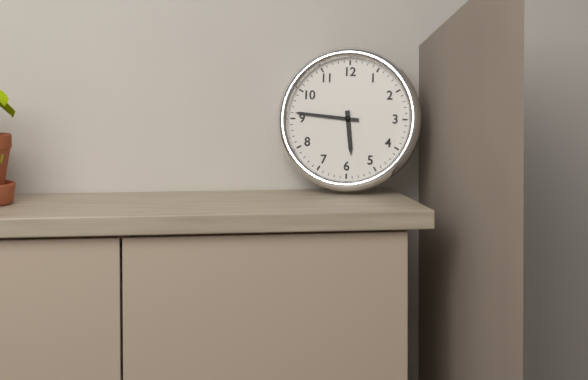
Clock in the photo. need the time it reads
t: 5:46
